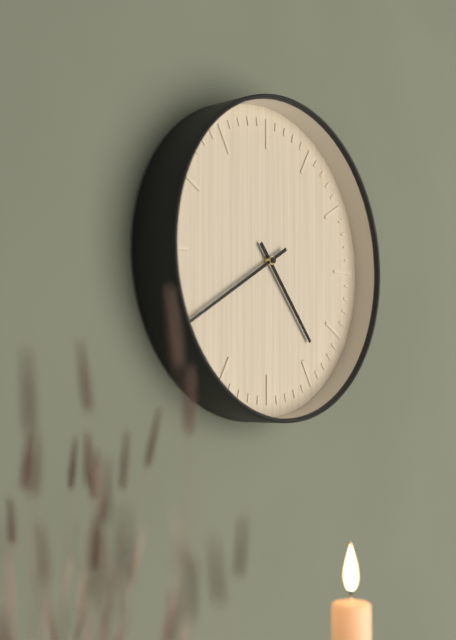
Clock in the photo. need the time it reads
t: 4:40
